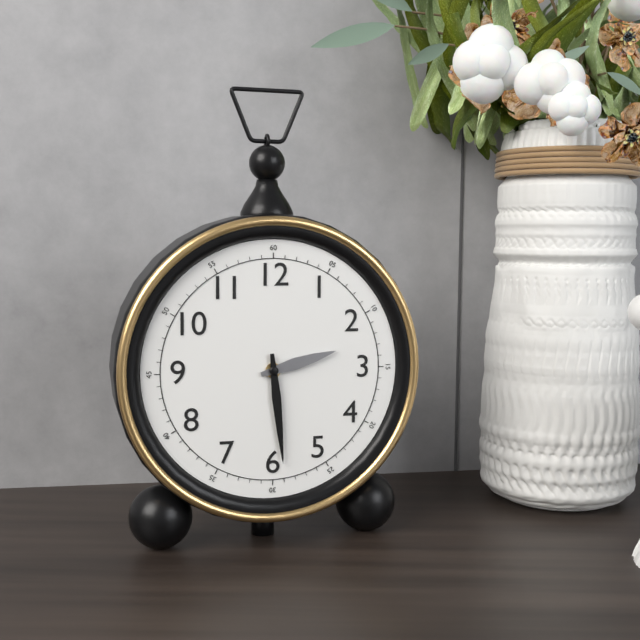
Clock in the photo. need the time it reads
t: 2:29
